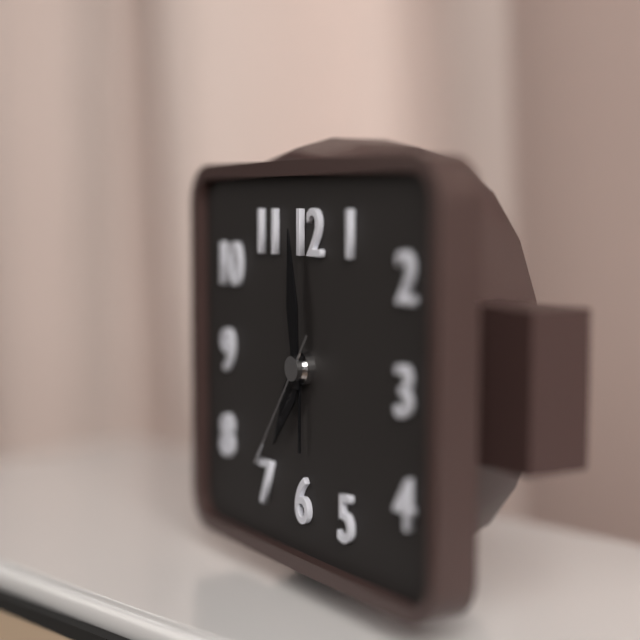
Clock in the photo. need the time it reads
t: 6:59:36
